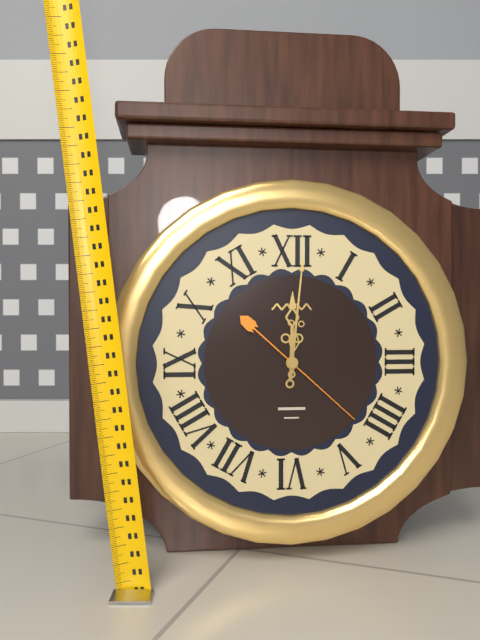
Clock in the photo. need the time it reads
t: 12:01:22
